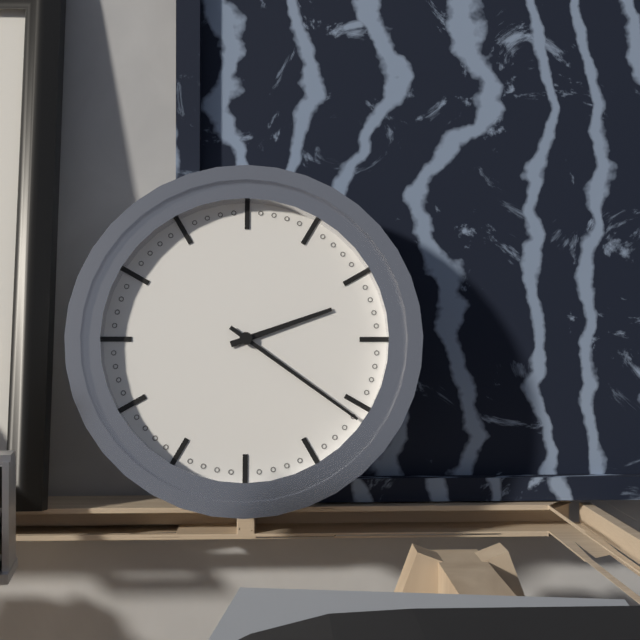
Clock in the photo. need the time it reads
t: 2:21
